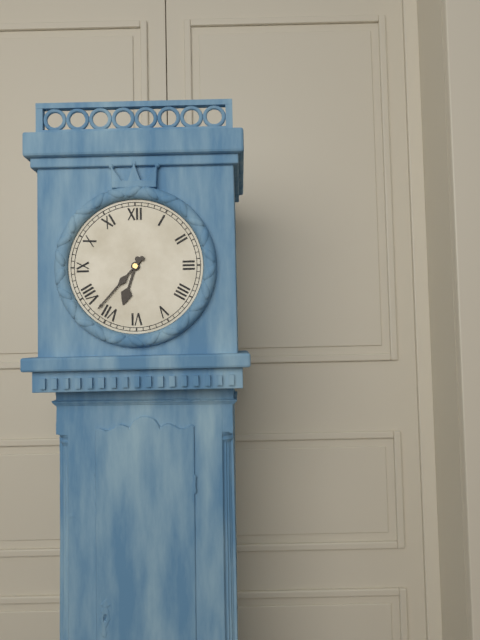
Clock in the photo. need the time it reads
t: 6:37
